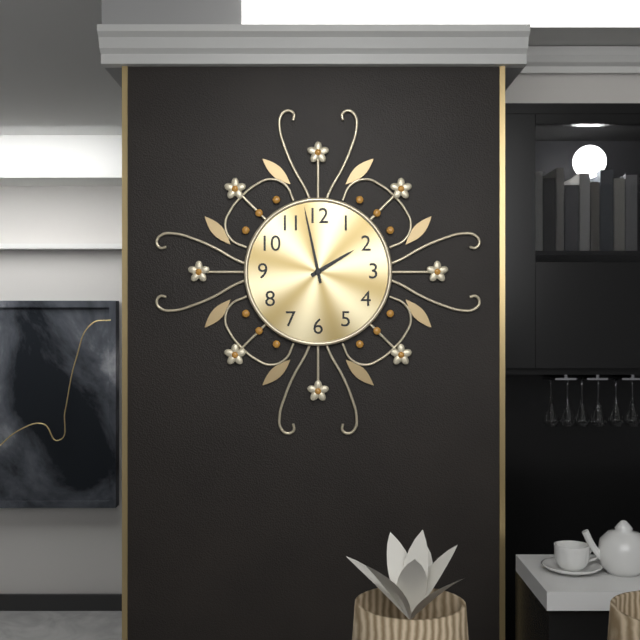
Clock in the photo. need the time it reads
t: 1:58
